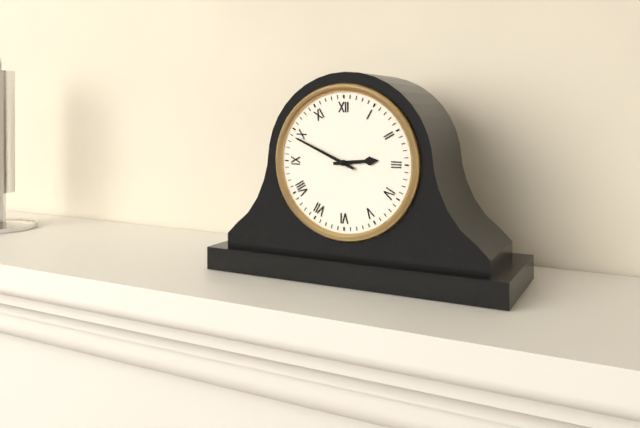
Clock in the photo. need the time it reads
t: 2:49
